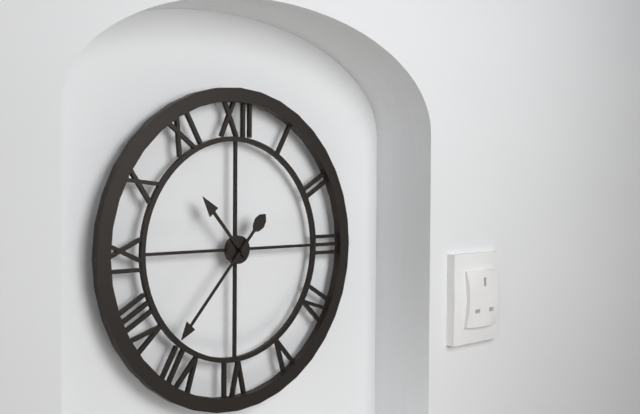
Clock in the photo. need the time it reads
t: 10:37
